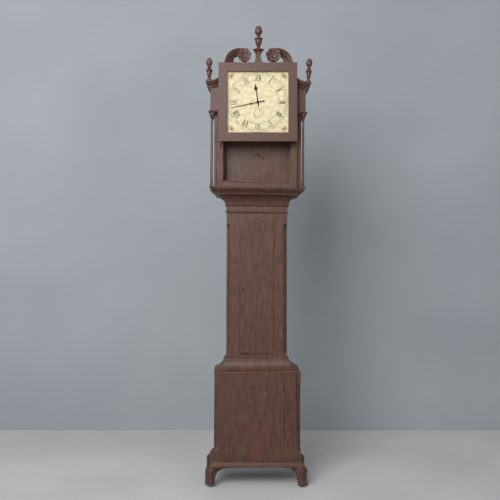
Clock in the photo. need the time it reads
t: 11:43
